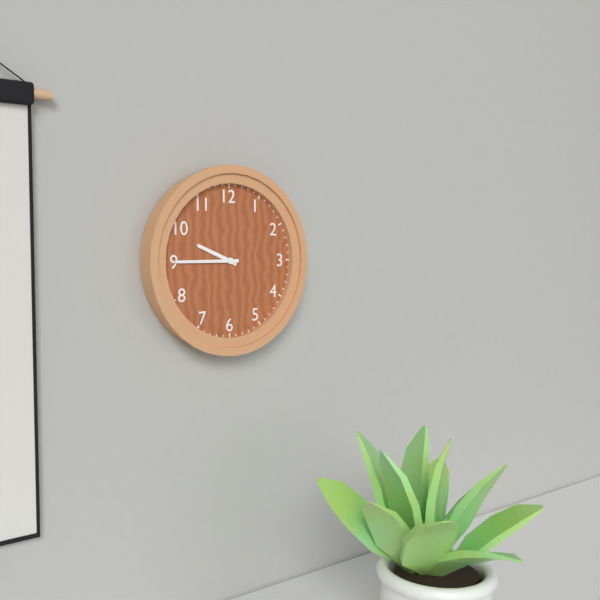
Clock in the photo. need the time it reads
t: 9:45
